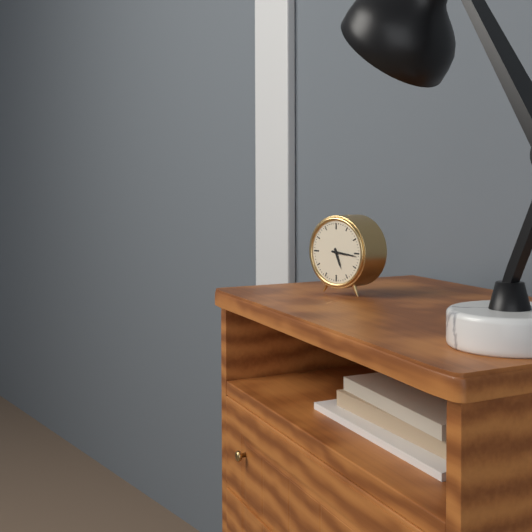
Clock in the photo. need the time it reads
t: 5:16
